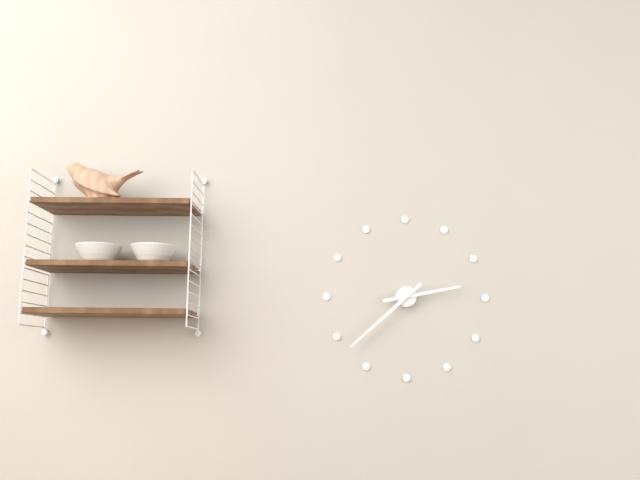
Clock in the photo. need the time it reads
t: 2:38
